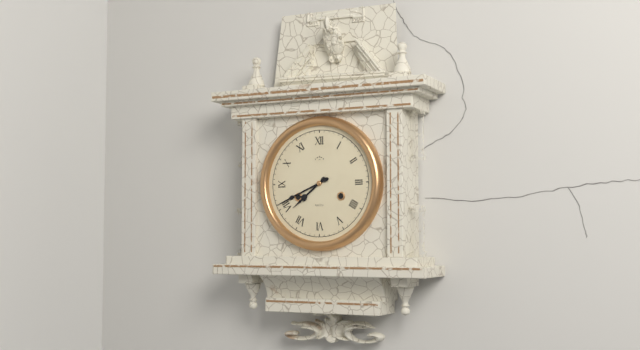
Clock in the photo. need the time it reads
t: 7:41
